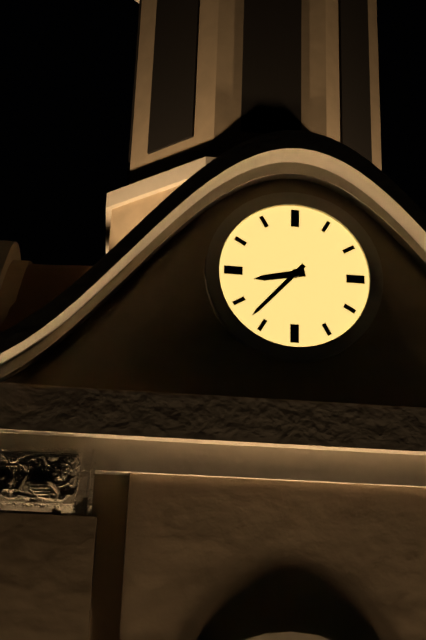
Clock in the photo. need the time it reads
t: 8:37
